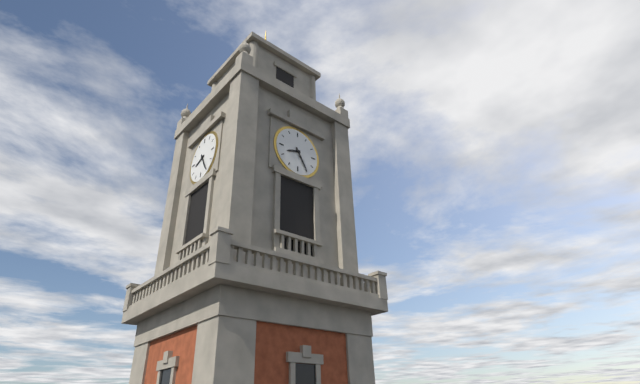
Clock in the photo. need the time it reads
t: 8:25
